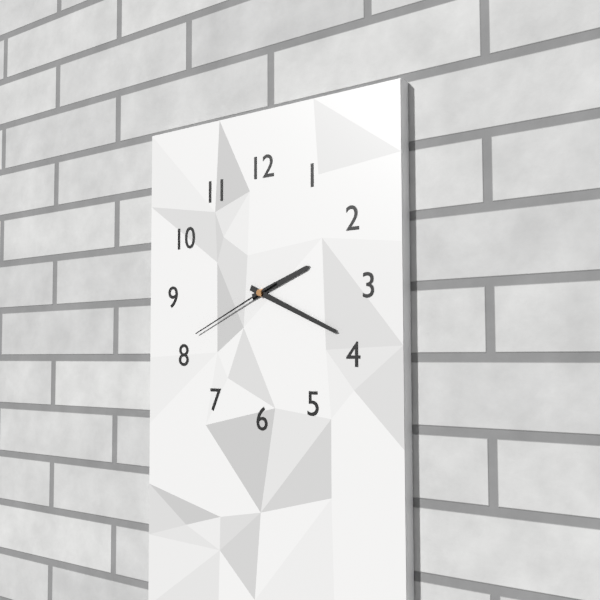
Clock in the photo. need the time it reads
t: 2:19:41
